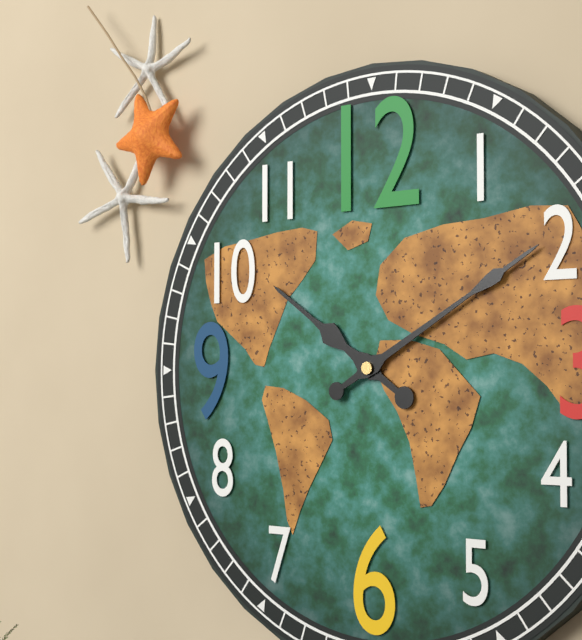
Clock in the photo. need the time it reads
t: 10:10
